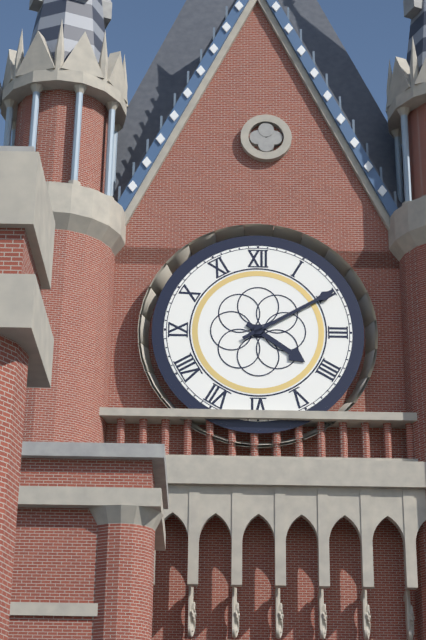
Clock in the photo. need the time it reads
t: 4:10
